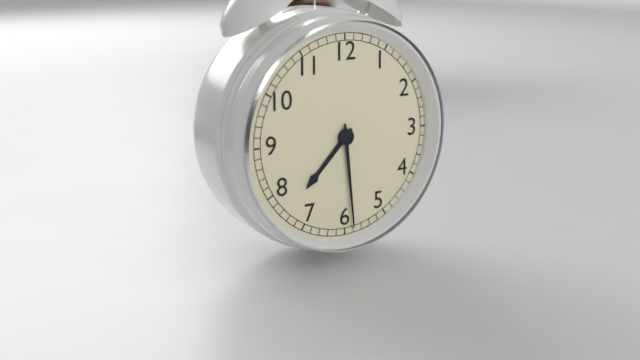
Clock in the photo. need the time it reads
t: 7:29
